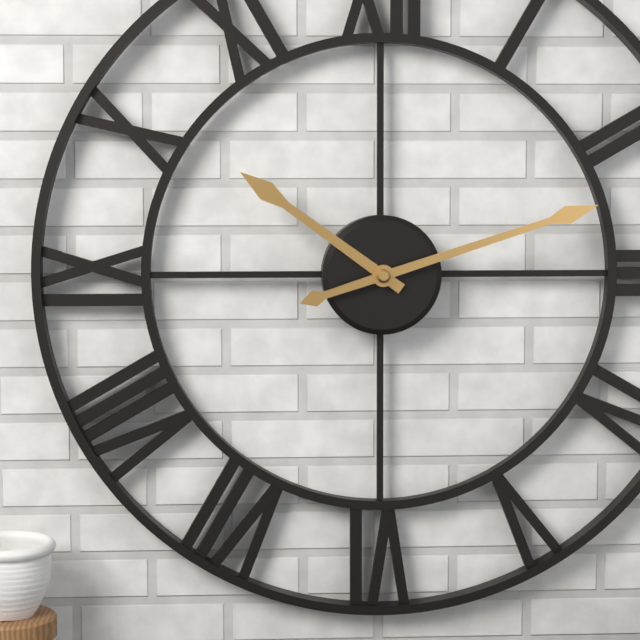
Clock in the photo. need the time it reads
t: 10:12
